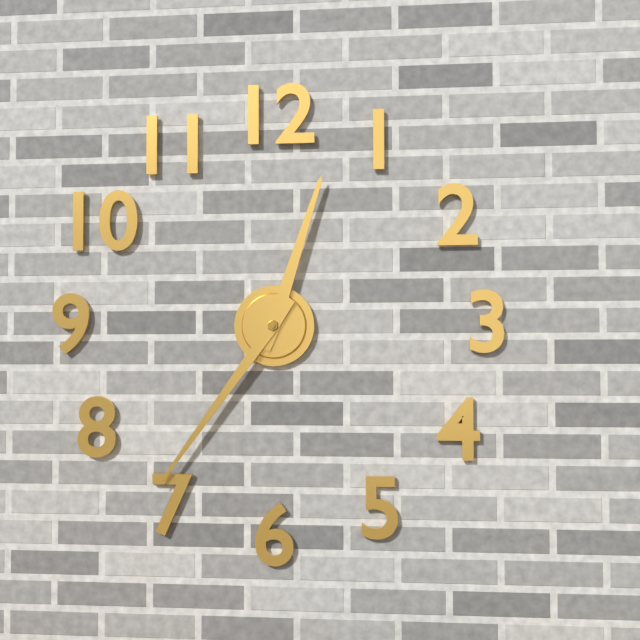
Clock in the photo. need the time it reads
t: 12:36
